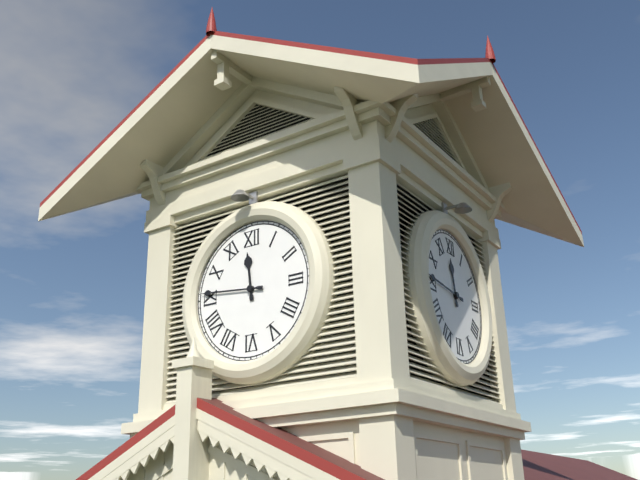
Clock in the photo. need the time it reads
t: 11:46
